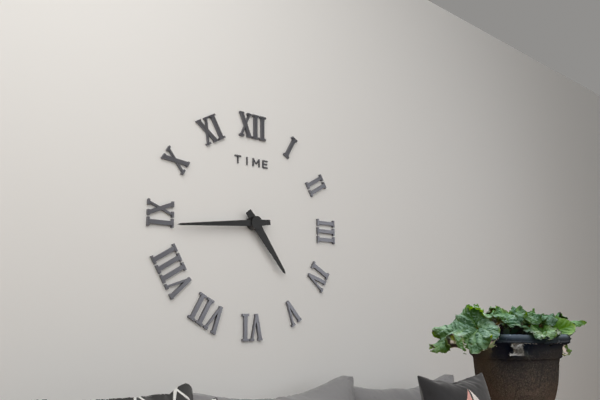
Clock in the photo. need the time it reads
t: 4:44
